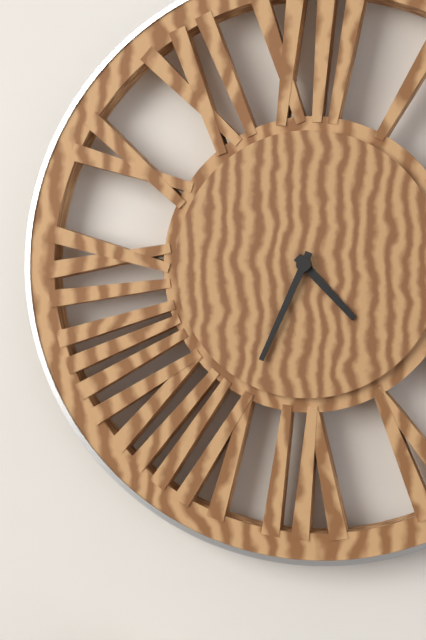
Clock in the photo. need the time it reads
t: 4:34
